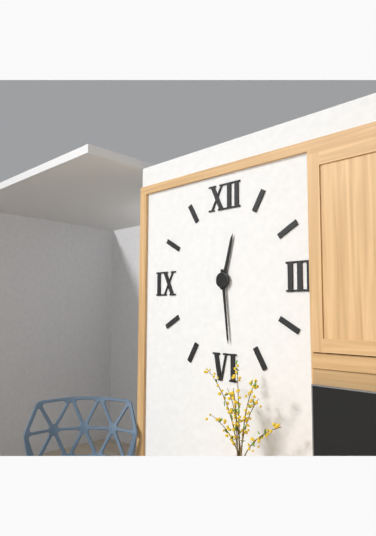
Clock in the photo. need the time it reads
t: 12:29
